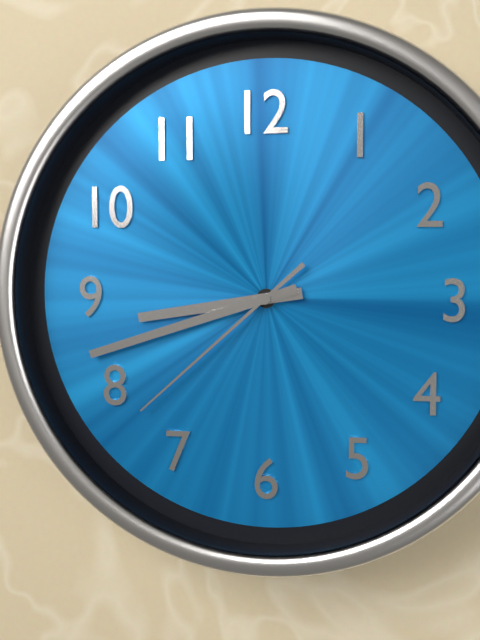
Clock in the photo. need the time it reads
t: 8:42:38
